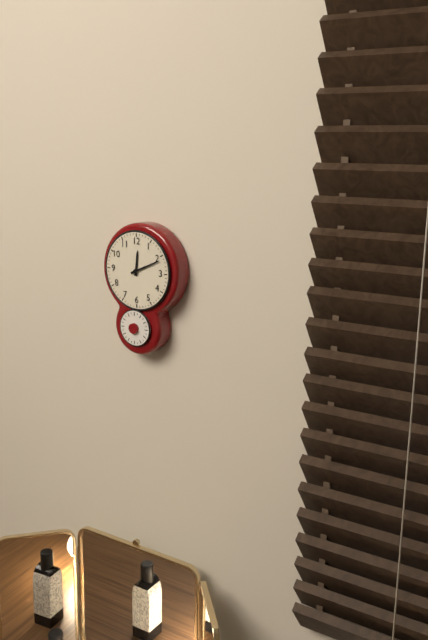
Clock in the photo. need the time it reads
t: 12:11
